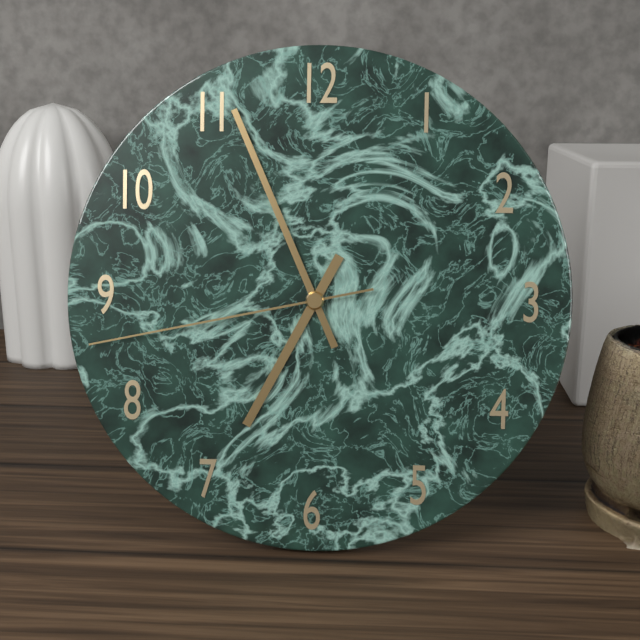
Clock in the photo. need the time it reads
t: 6:56:43
